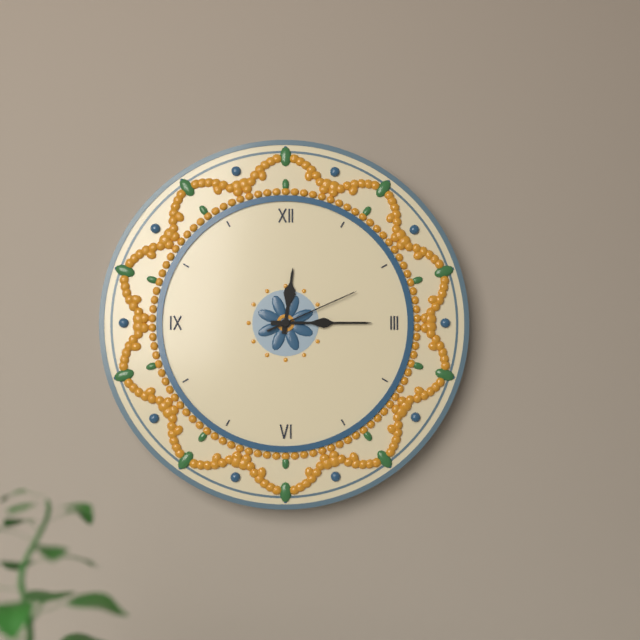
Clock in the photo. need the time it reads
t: 12:15:11
